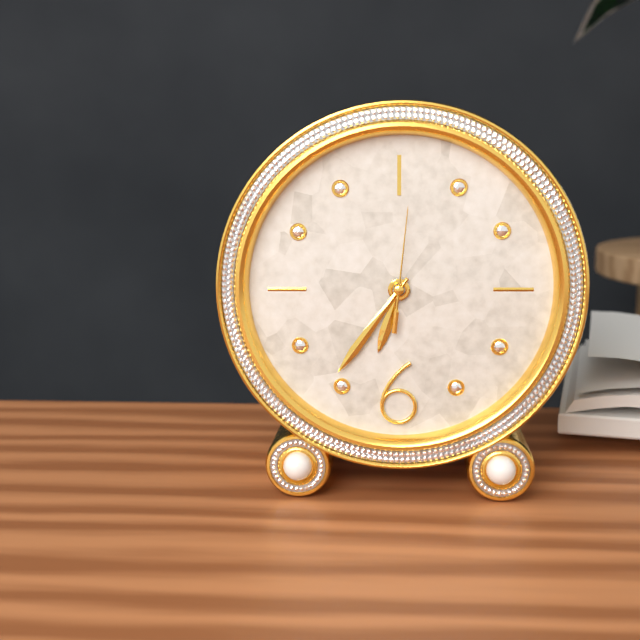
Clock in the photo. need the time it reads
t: 6:36:01
